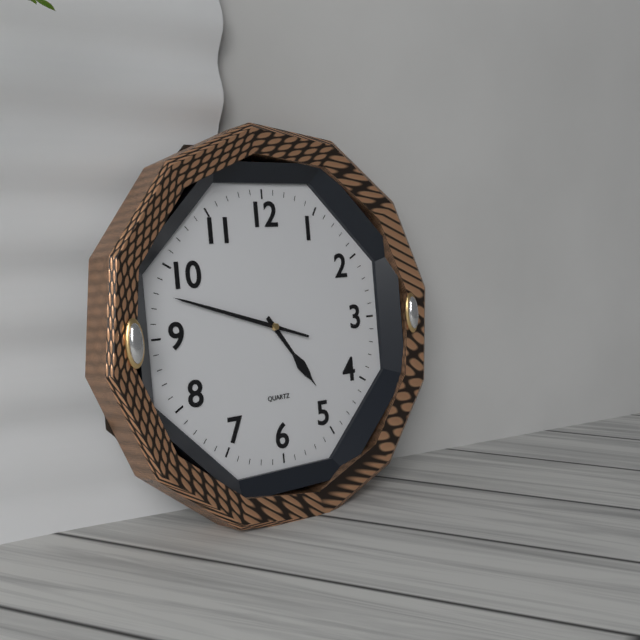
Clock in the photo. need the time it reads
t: 4:48
